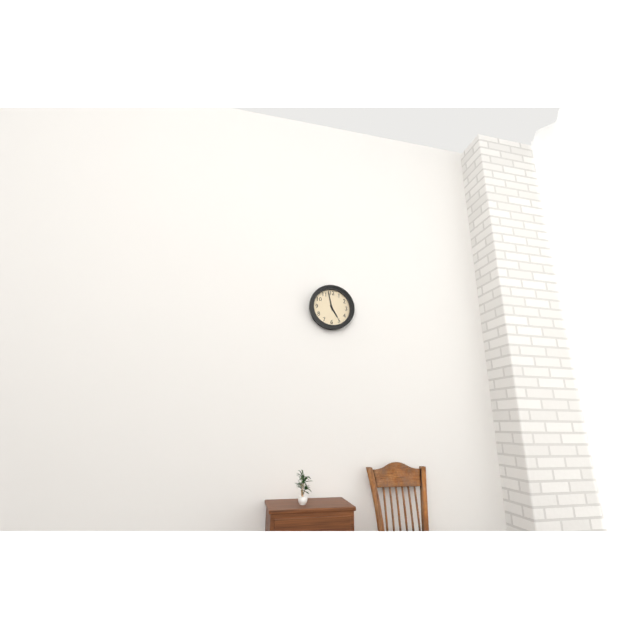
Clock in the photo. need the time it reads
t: 4:58
